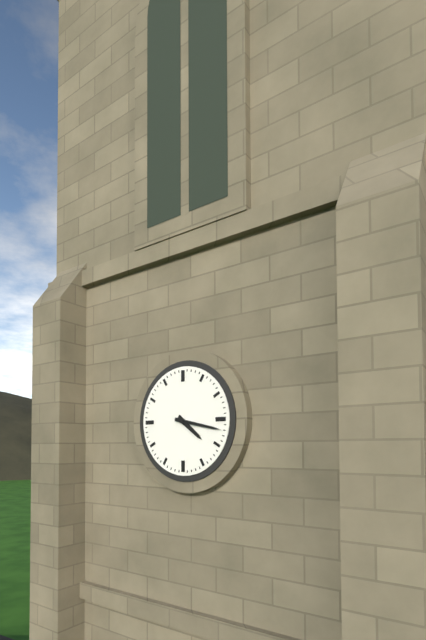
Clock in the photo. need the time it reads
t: 4:17
